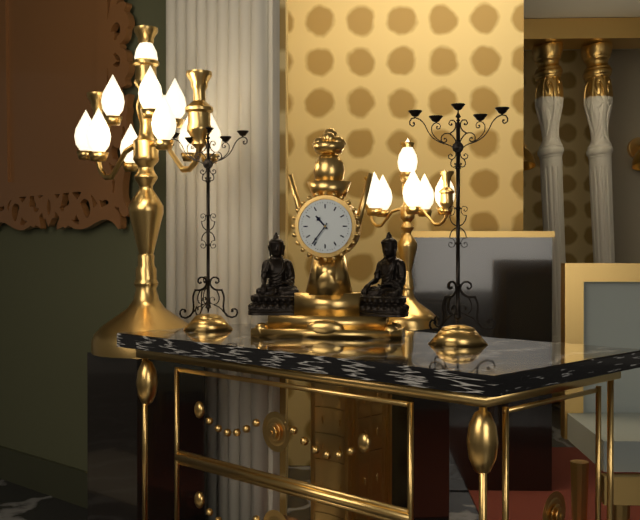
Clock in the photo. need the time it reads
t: 10:36
